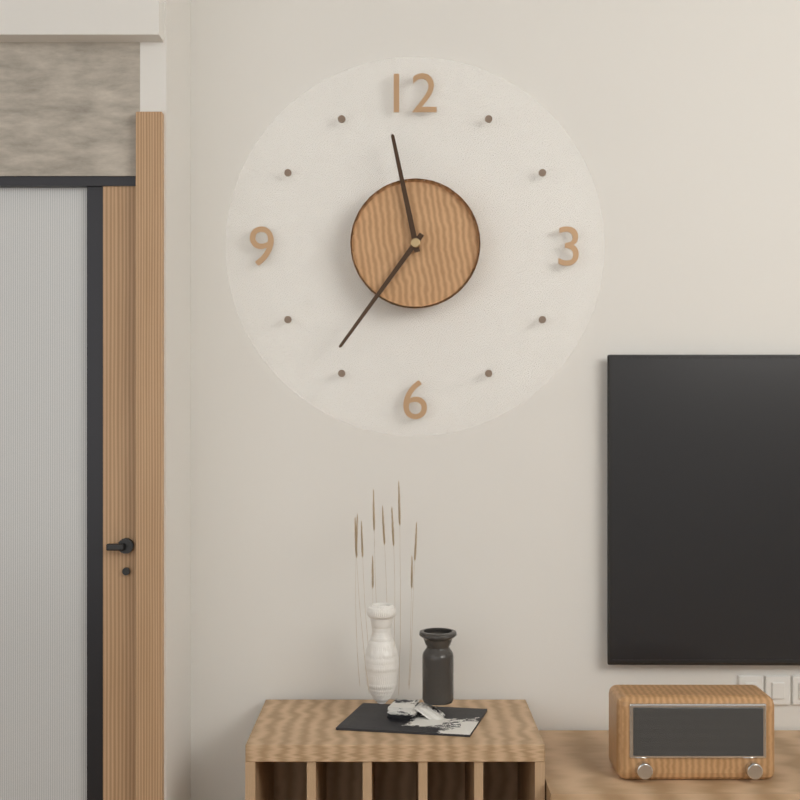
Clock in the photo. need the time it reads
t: 11:36
